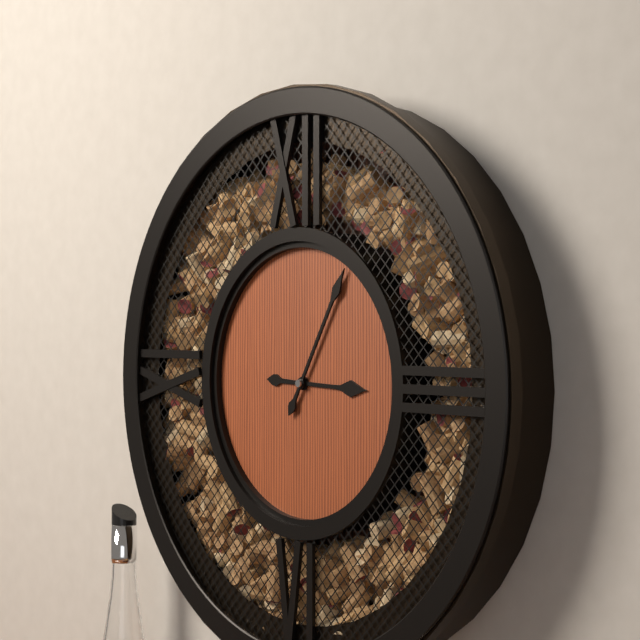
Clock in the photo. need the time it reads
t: 3:05
